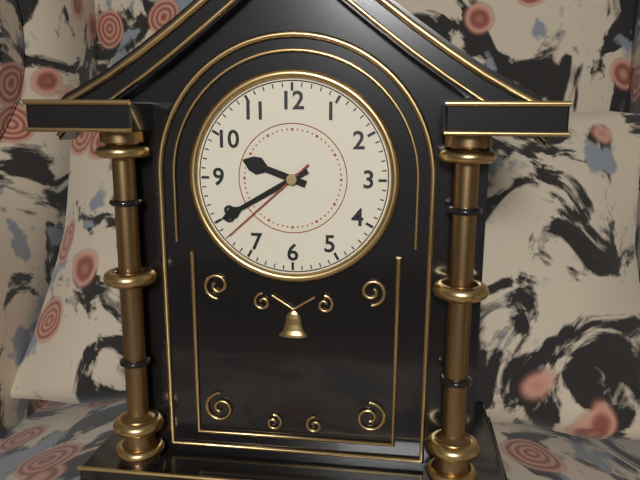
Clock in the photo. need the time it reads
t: 9:40:38
